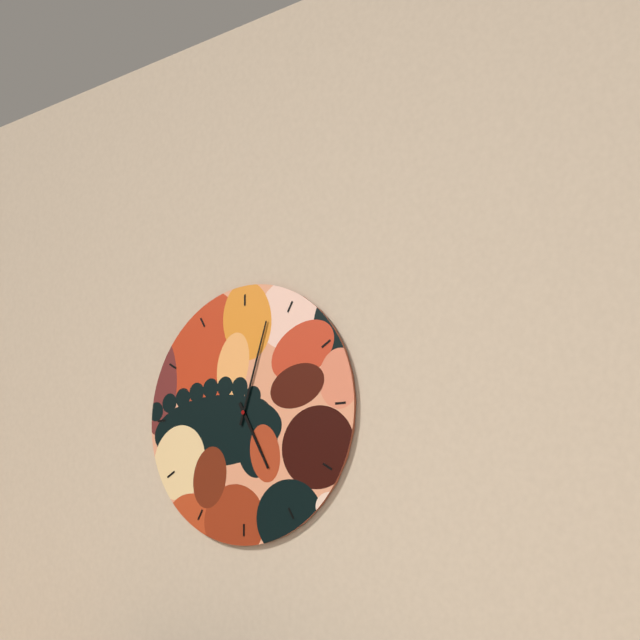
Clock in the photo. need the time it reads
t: 5:03
